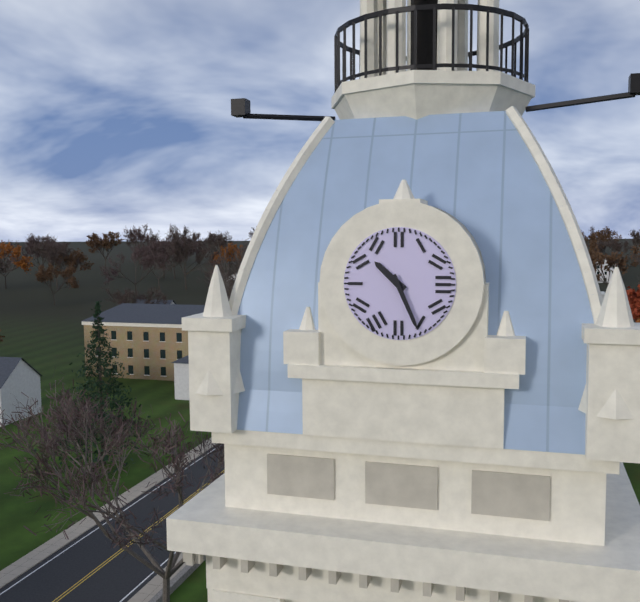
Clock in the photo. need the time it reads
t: 10:26
